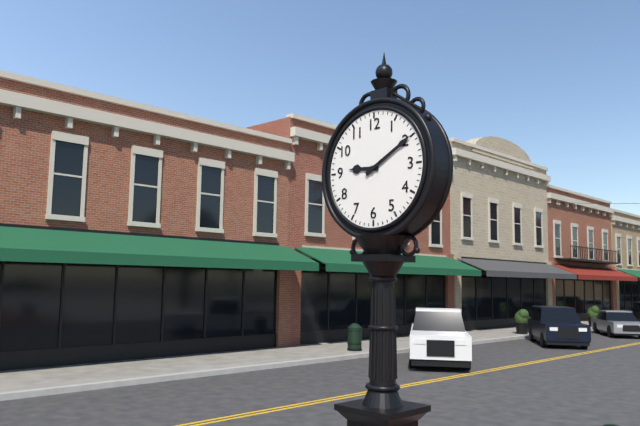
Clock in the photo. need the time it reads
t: 9:10
